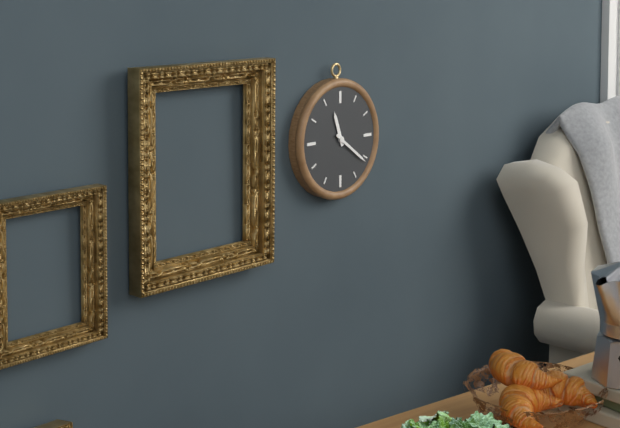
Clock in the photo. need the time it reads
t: 11:21
